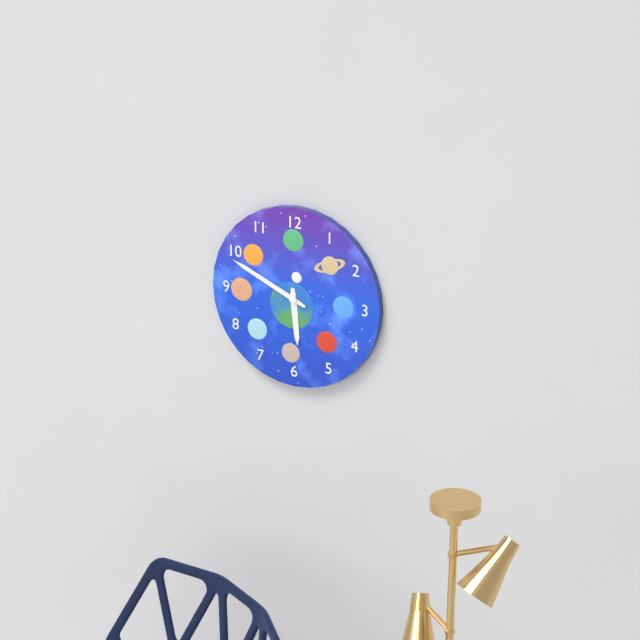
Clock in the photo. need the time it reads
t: 5:49
